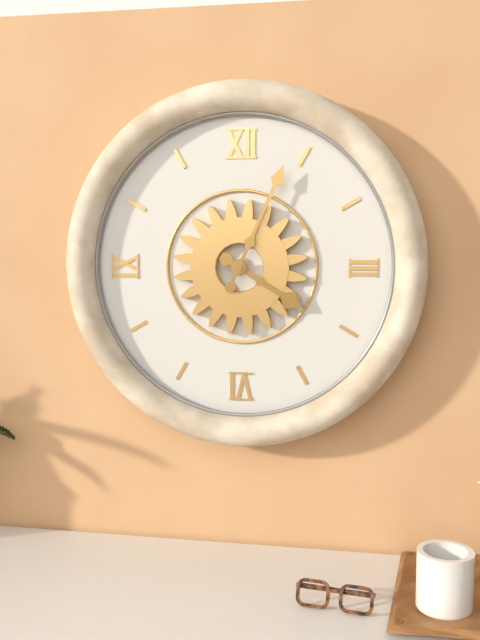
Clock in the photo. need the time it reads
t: 4:04
